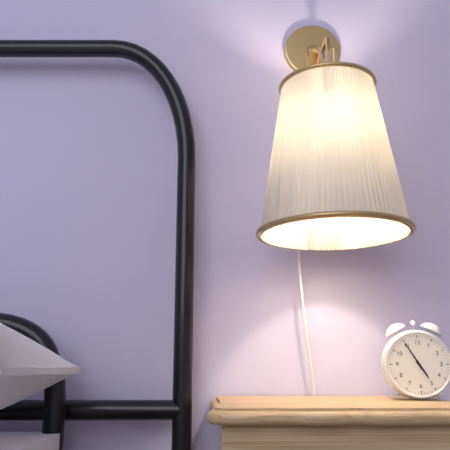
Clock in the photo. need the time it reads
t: 4:55
